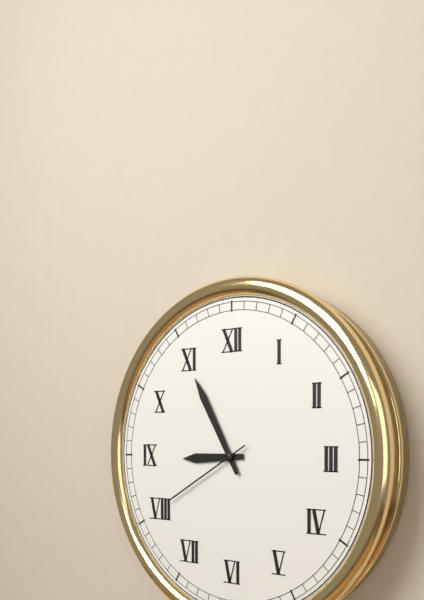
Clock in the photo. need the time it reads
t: 8:55:40
